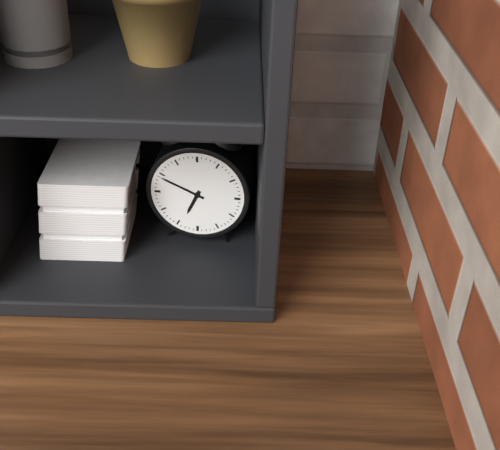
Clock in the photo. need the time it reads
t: 6:49
